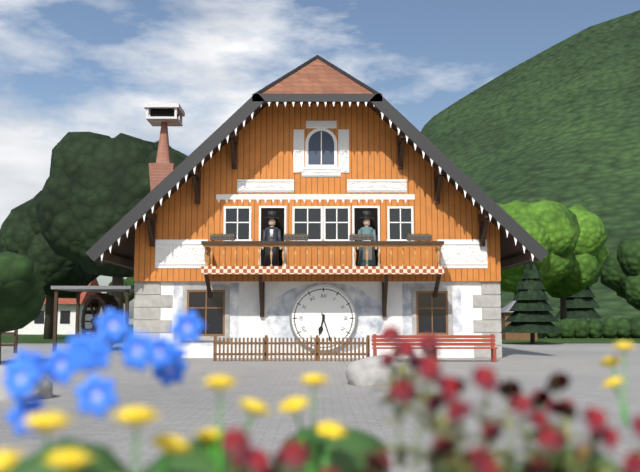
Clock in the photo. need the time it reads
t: 6:27
